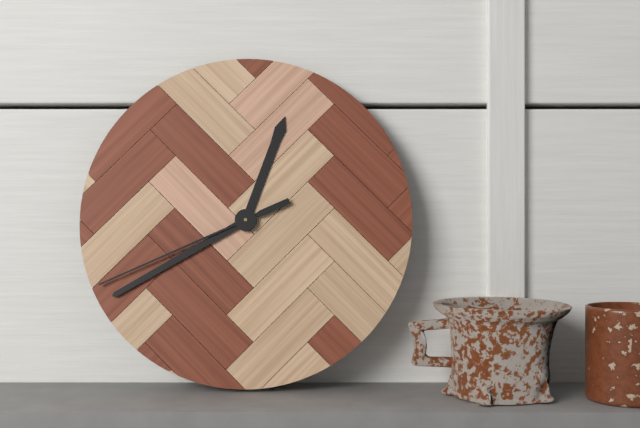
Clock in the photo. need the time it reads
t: 12:40:41
